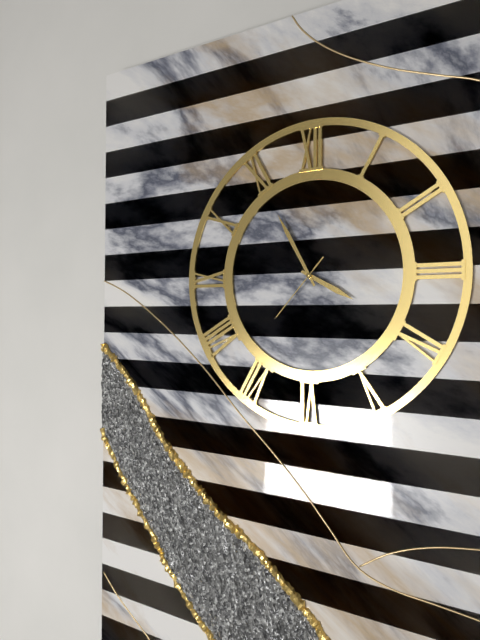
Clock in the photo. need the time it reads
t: 3:55:37
